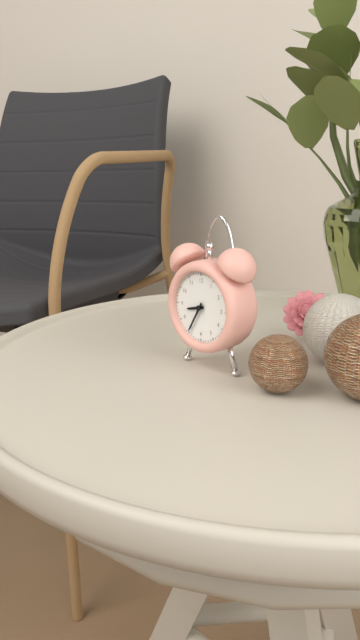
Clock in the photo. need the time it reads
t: 8:35
